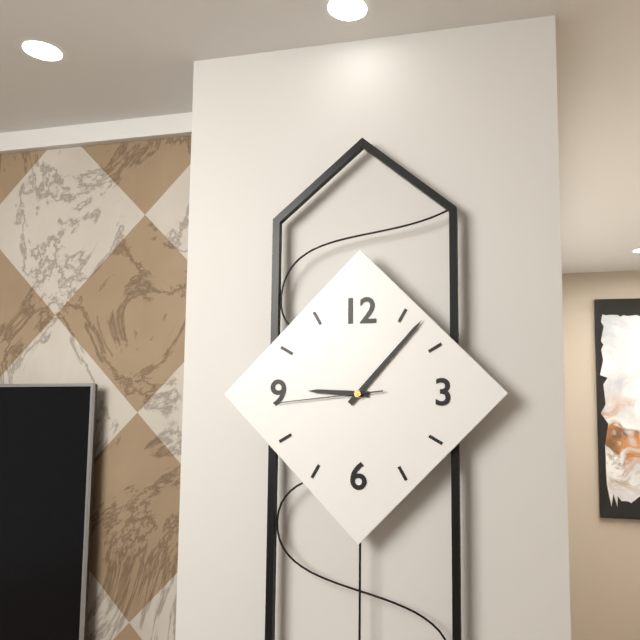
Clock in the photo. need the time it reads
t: 9:07:44
